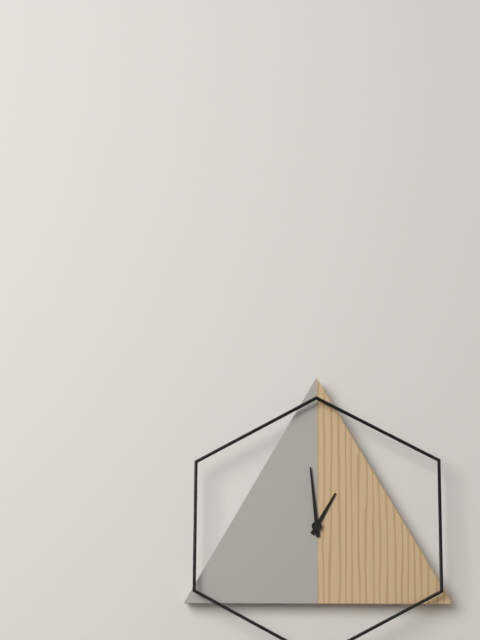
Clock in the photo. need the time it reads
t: 12:59
